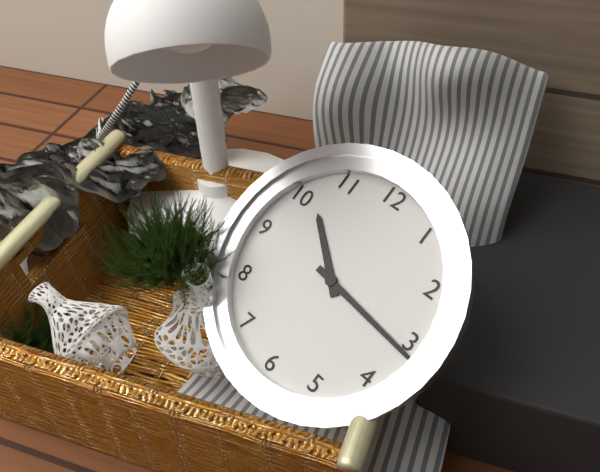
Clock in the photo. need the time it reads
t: 10:16
